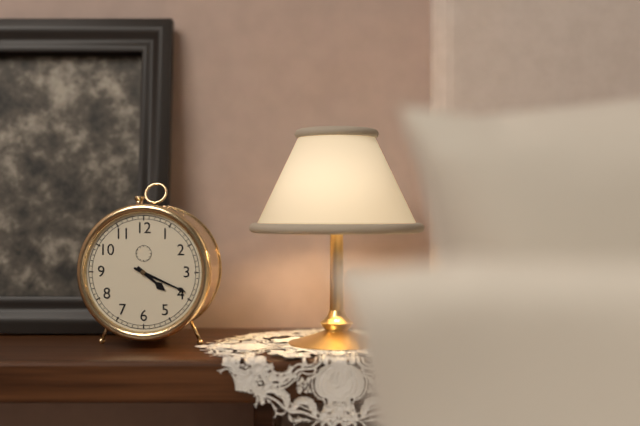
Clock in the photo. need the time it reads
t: 4:19
